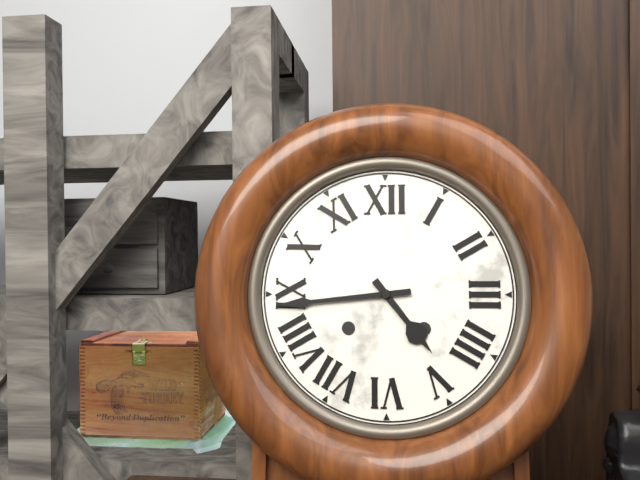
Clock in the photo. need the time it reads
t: 4:44
